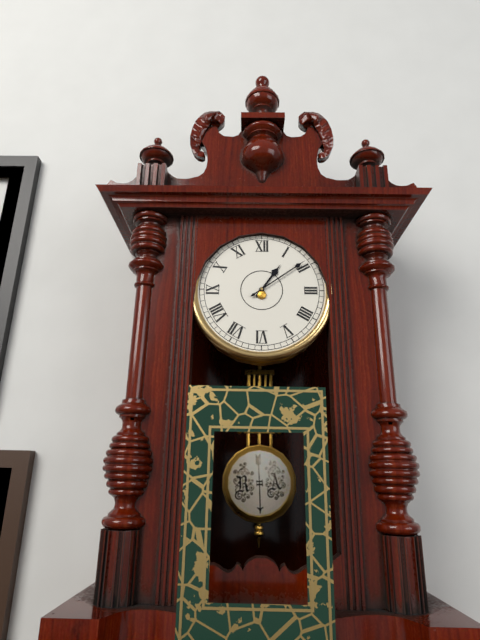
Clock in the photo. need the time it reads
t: 1:09
